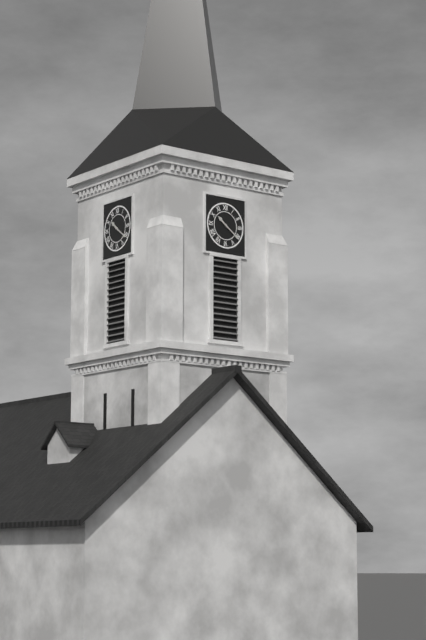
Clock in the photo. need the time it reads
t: 10:21
